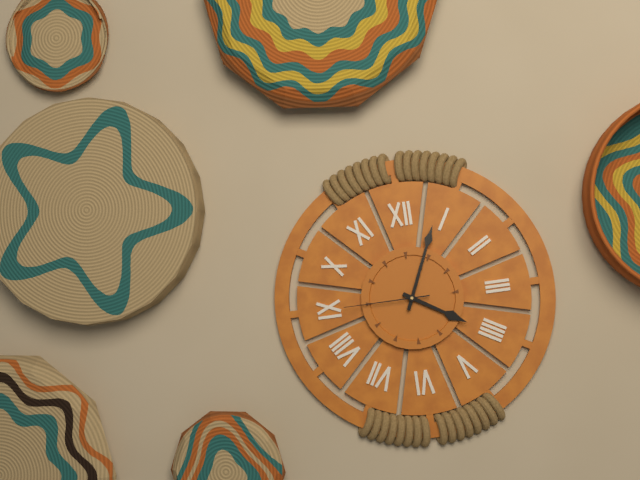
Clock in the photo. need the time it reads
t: 4:04:45
